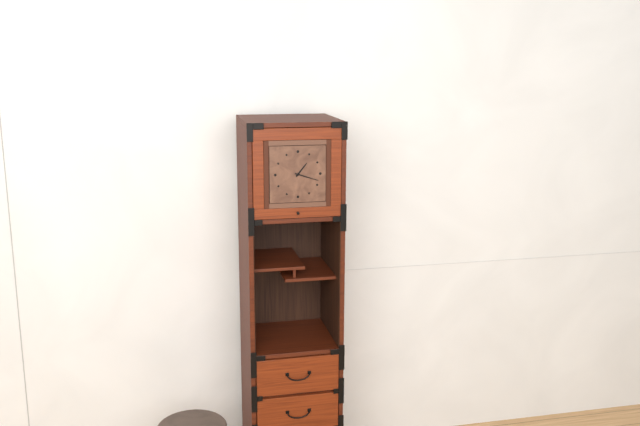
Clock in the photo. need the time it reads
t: 1:18
